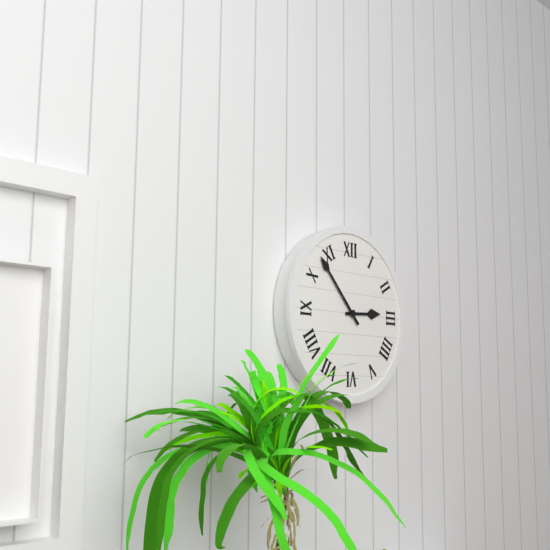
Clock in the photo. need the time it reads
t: 2:53
